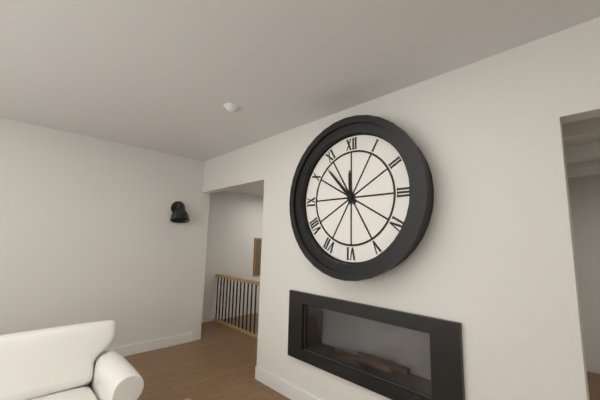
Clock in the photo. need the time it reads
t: 11:53
